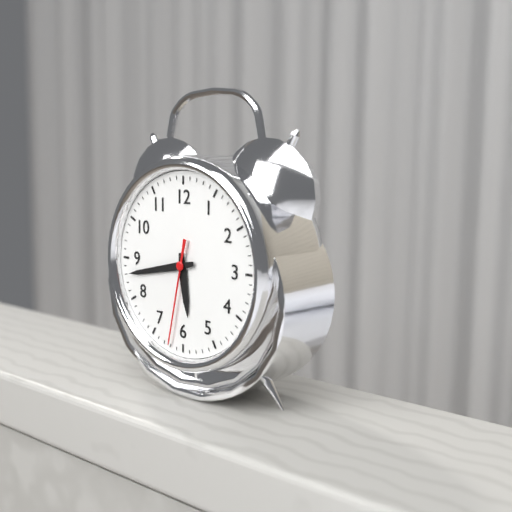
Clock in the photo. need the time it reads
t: 5:43:32
